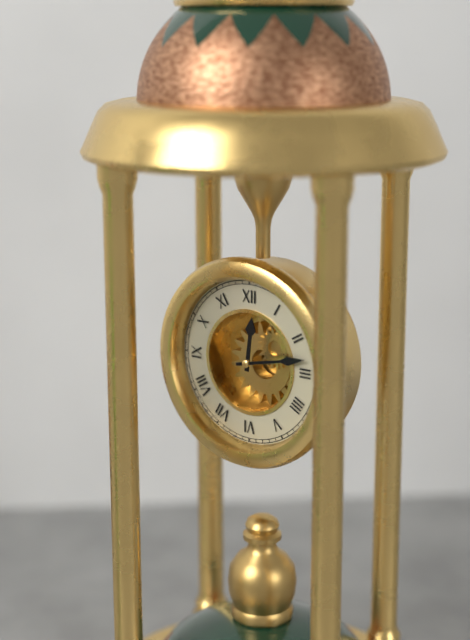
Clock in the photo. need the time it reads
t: 12:13
